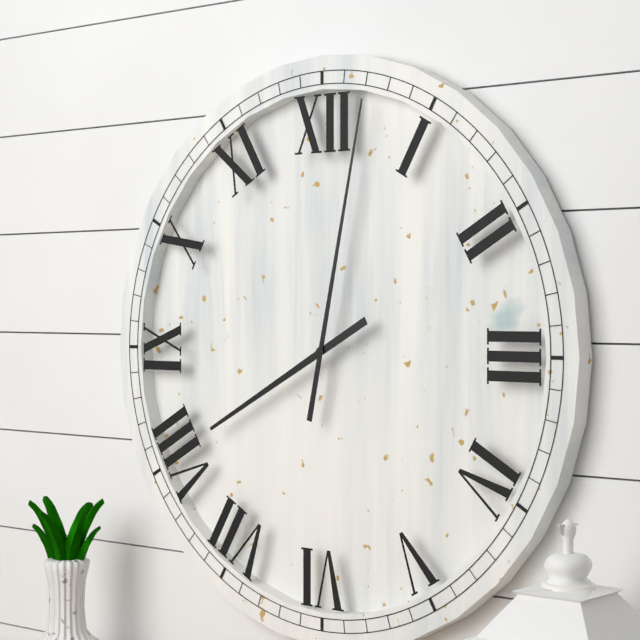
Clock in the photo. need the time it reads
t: 8:02
